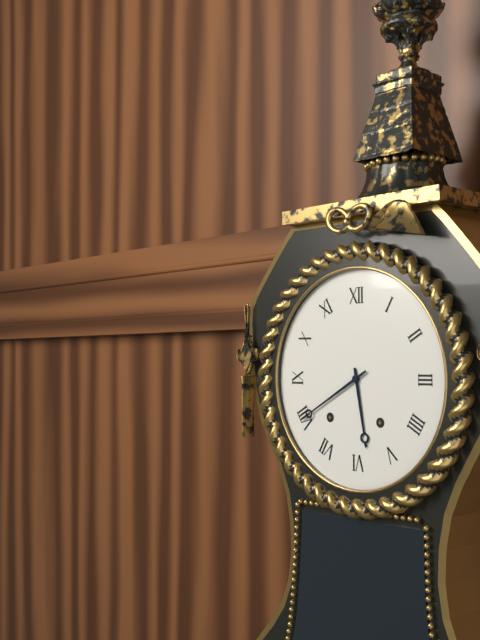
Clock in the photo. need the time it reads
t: 5:40
